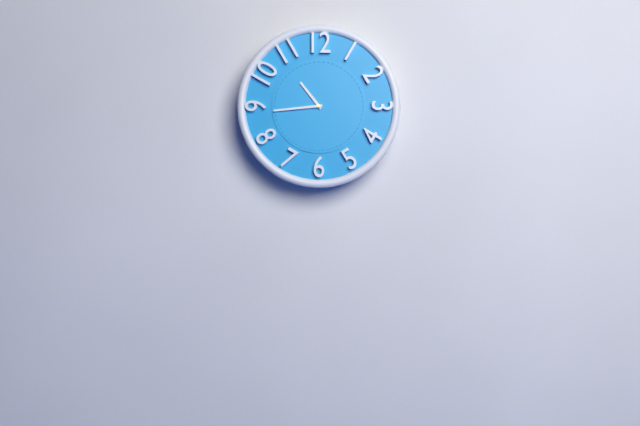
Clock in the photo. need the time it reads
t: 10:44
